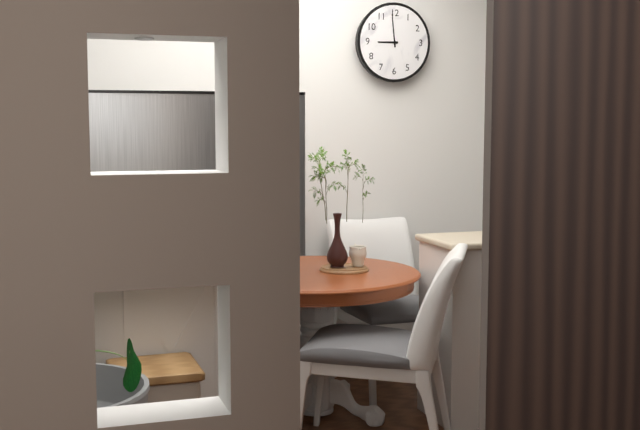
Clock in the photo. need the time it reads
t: 8:59
